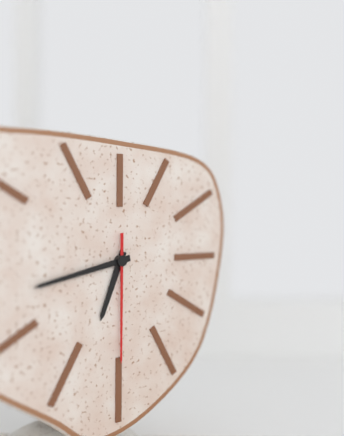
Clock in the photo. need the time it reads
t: 6:43:30
